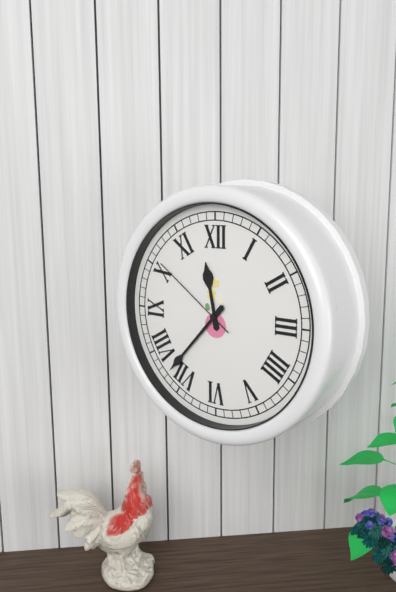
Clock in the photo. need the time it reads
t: 11:37:51
